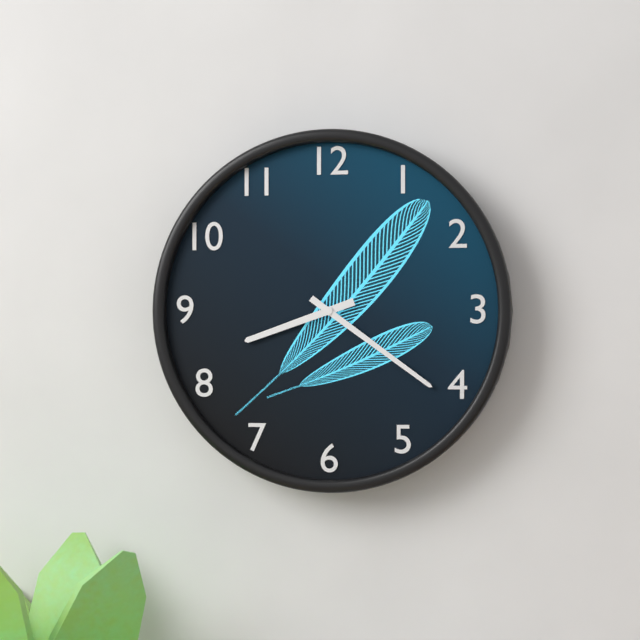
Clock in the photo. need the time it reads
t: 8:21
